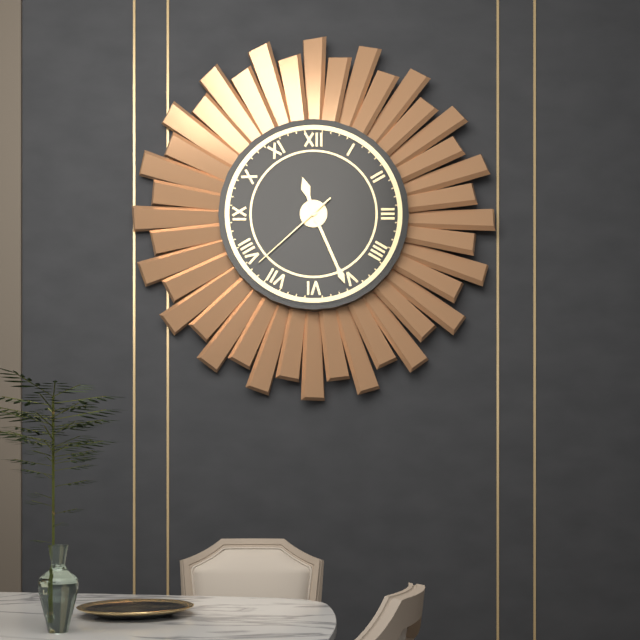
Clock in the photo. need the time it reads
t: 11:26:38
